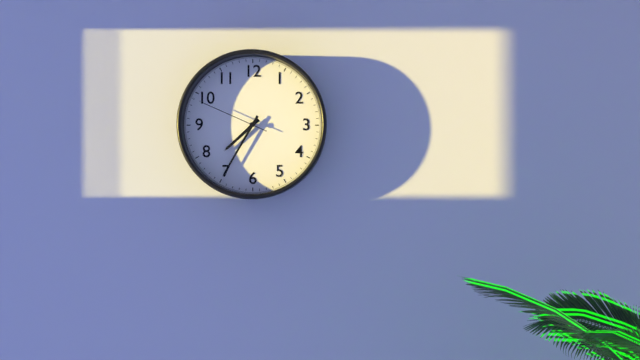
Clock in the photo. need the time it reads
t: 7:35:49
